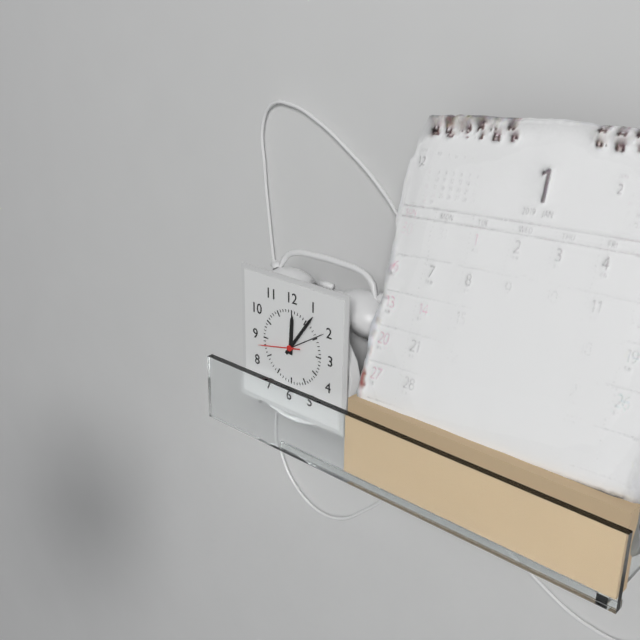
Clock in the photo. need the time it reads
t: 12:06
